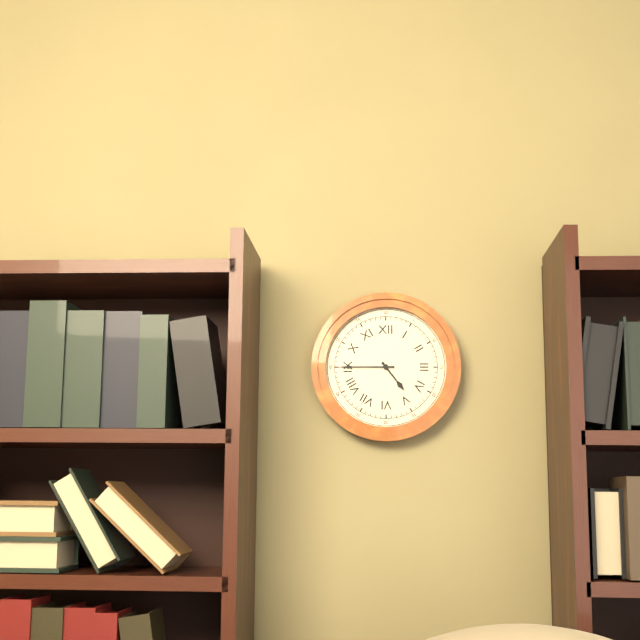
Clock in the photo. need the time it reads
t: 4:45
